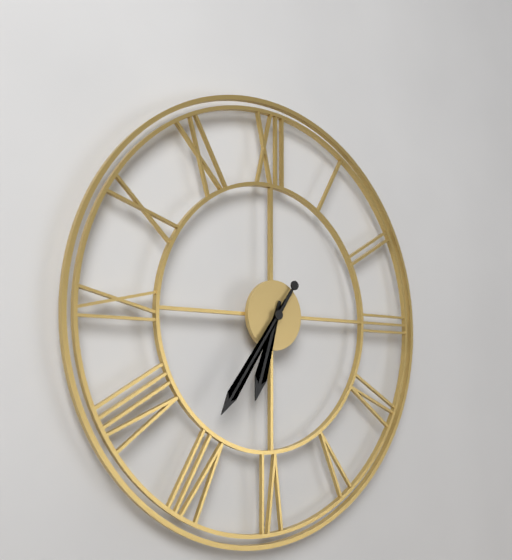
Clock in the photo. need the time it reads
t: 6:36
